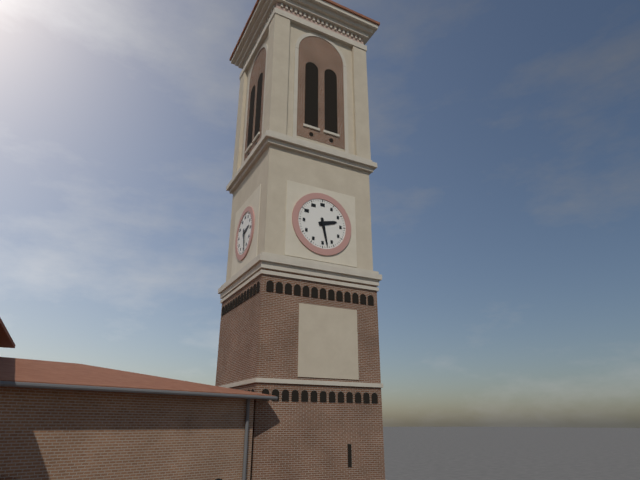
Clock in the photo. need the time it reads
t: 2:28
